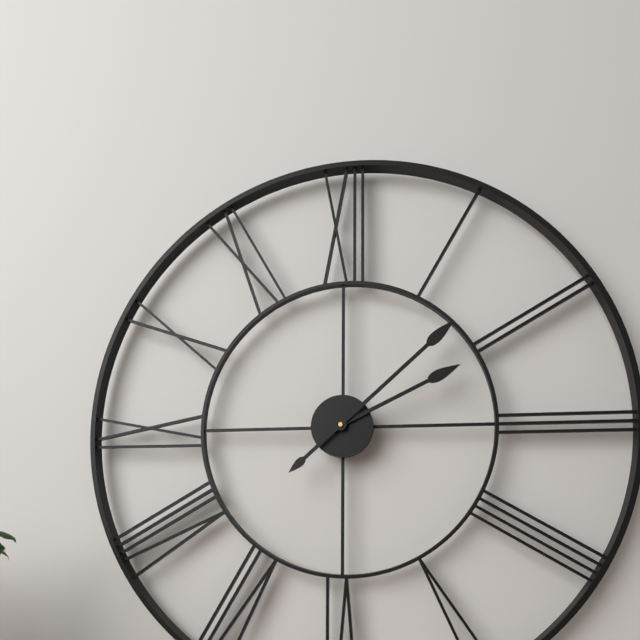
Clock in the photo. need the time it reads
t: 2:08
